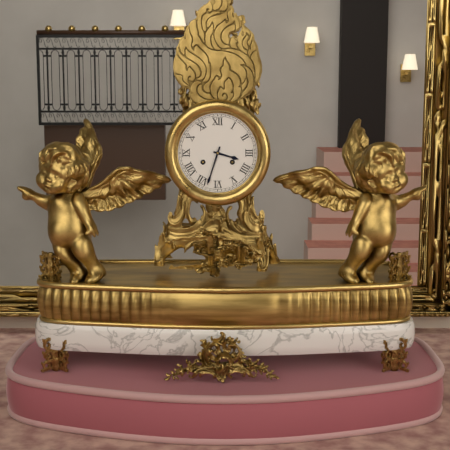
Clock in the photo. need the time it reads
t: 3:33
